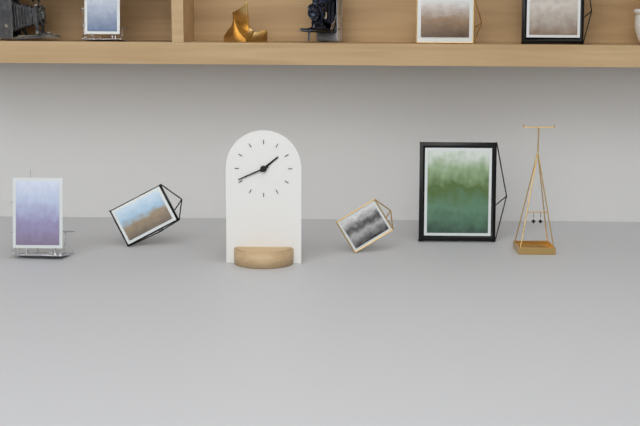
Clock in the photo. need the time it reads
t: 1:41
